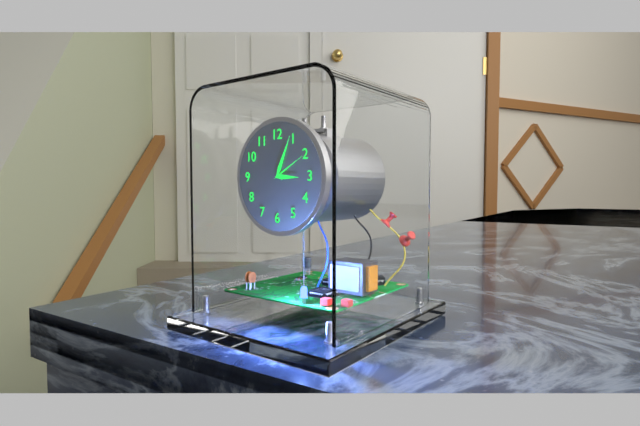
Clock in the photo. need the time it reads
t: 3:04
